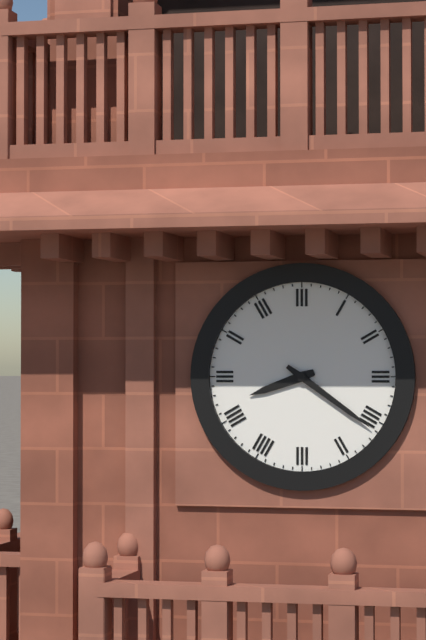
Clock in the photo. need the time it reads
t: 8:21
